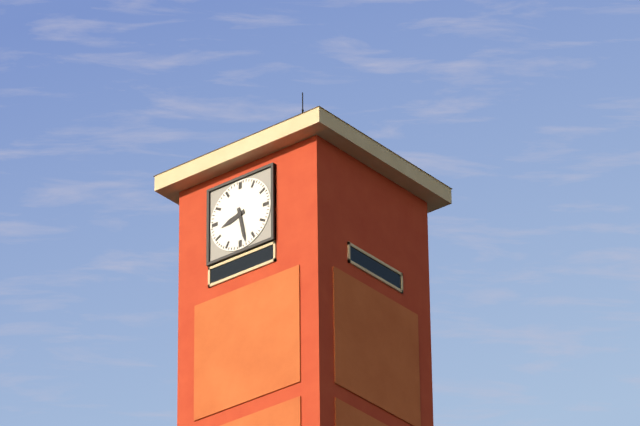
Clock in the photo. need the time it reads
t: 8:28
